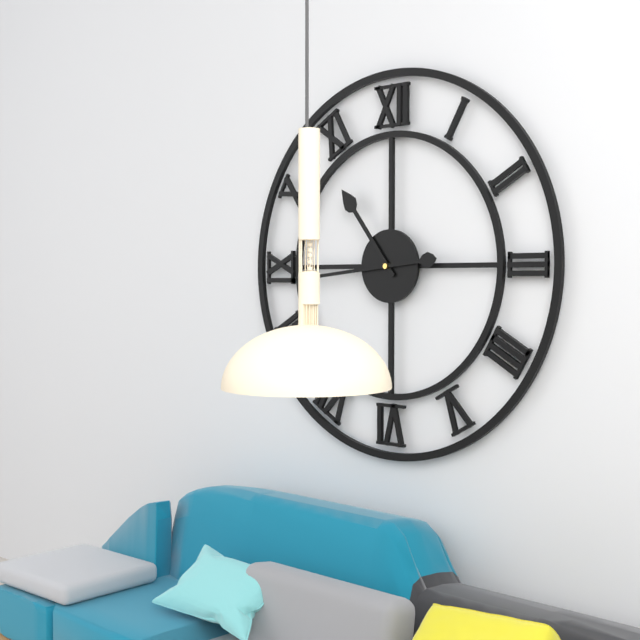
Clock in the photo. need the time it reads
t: 10:44
